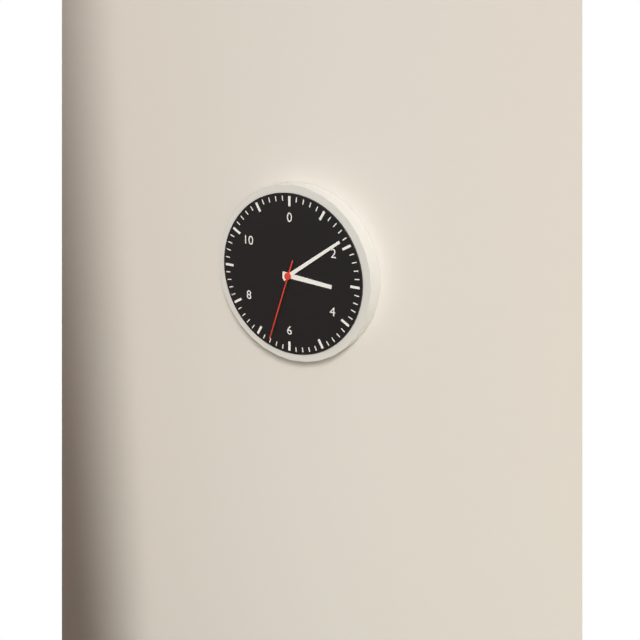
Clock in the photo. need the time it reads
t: 3:09:33
